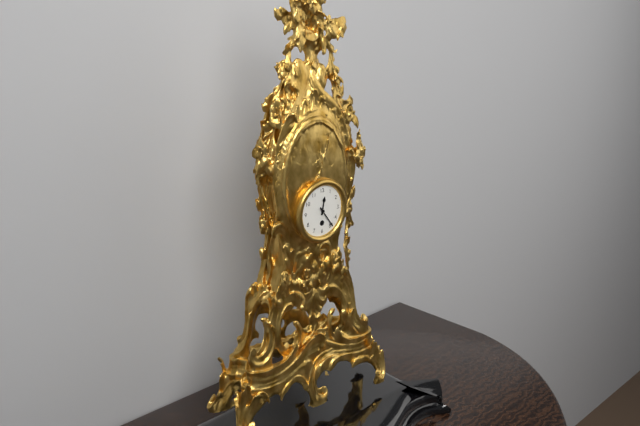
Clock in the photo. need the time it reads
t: 12:24
